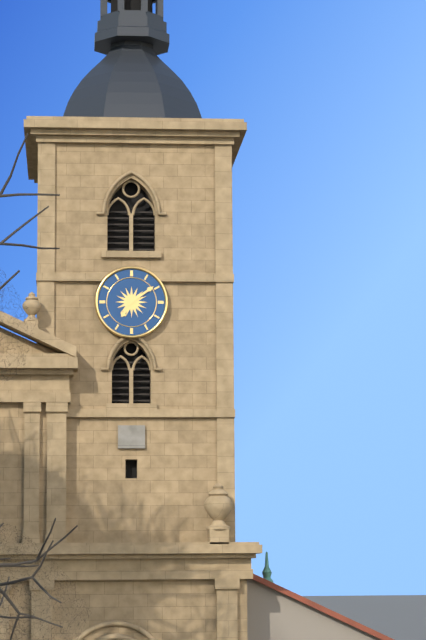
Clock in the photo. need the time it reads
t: 7:09
